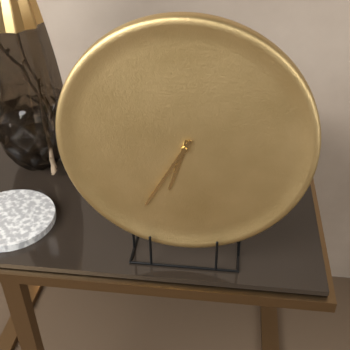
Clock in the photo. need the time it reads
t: 6:35
